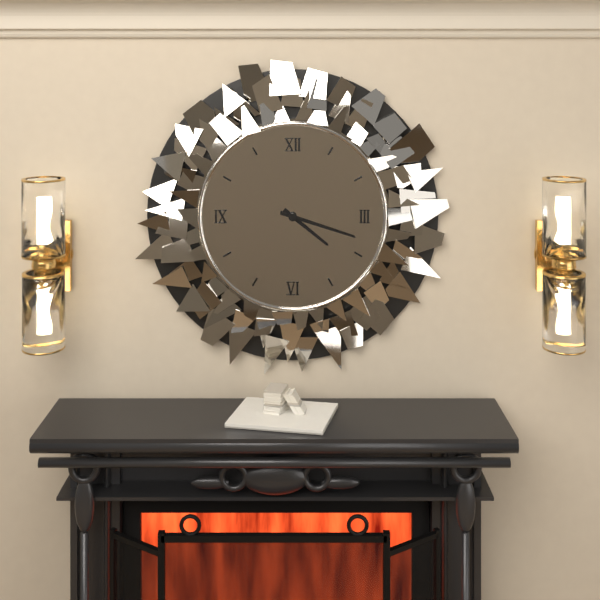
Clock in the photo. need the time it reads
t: 4:18
